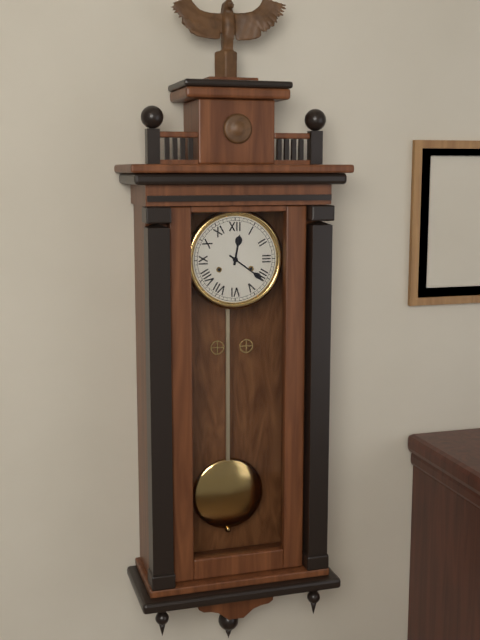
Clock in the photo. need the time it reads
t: 12:21
